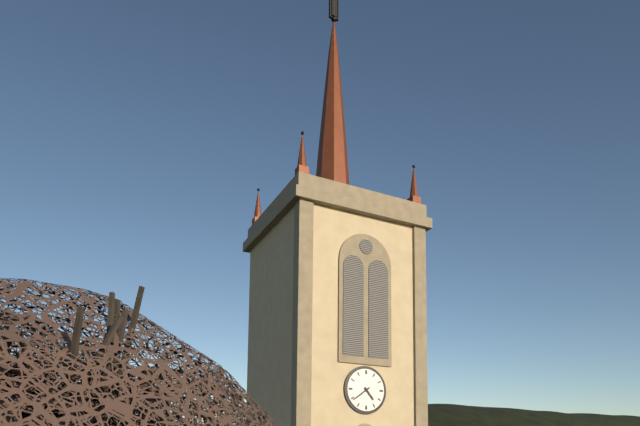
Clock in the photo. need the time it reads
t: 4:39
